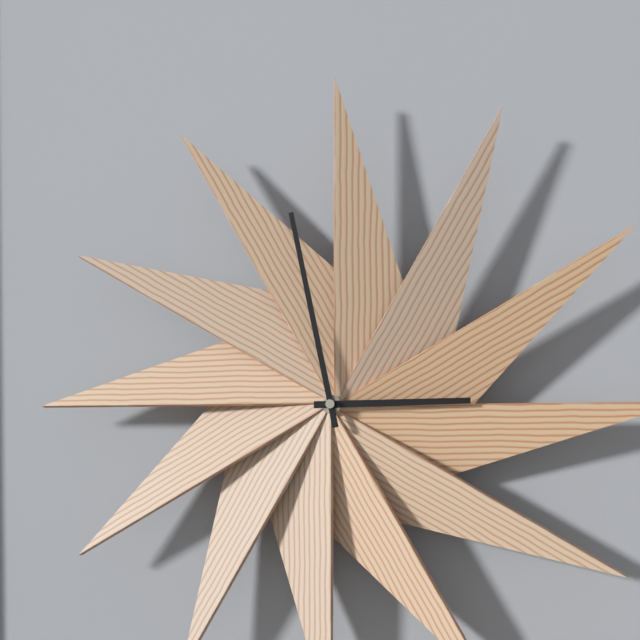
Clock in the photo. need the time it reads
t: 2:58
